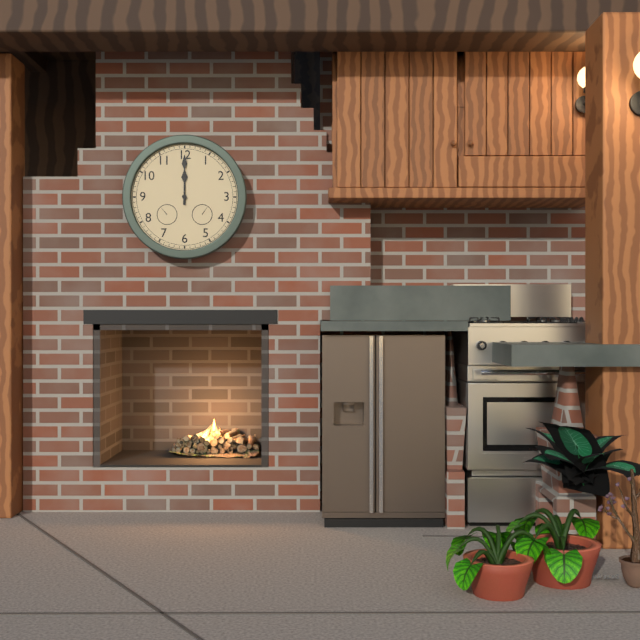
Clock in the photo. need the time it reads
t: 12:00
